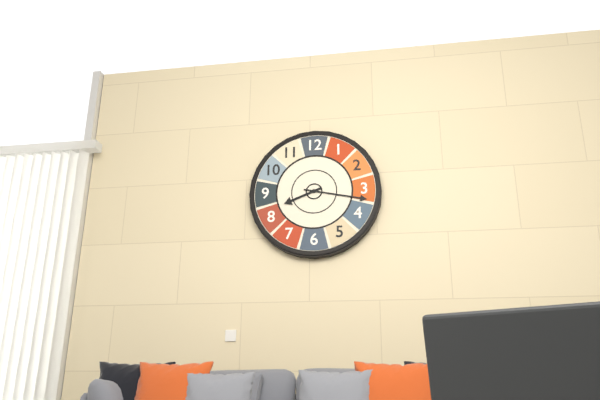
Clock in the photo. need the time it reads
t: 8:17
